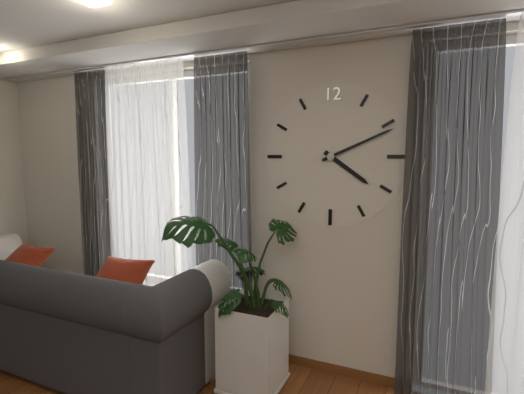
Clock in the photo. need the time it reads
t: 4:11
